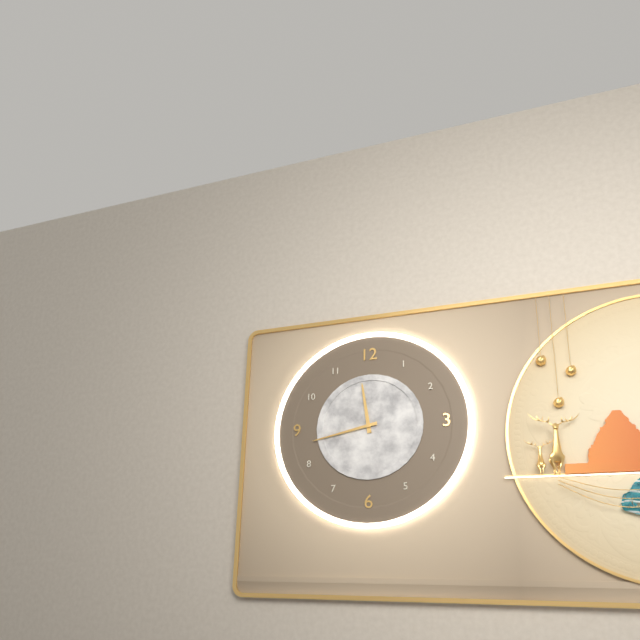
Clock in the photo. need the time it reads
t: 11:43
